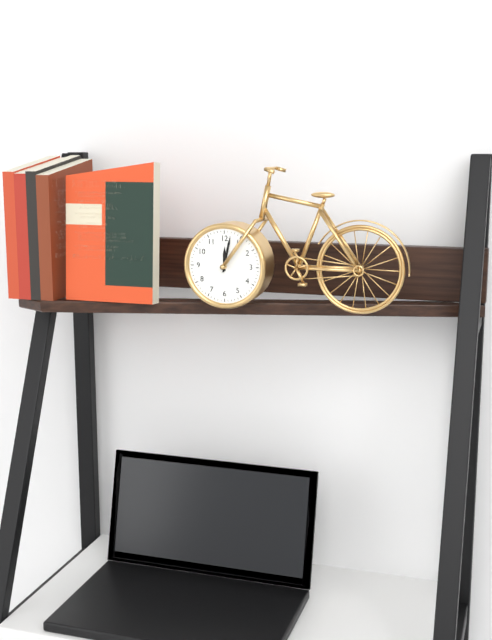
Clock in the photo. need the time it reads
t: 12:02
